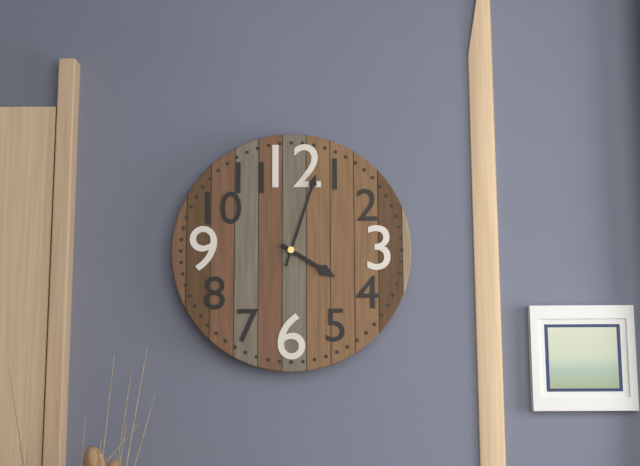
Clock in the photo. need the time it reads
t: 4:03
